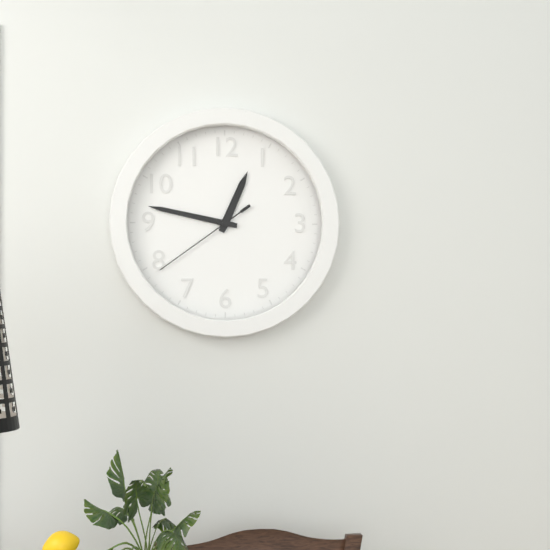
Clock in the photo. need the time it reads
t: 12:47:39
